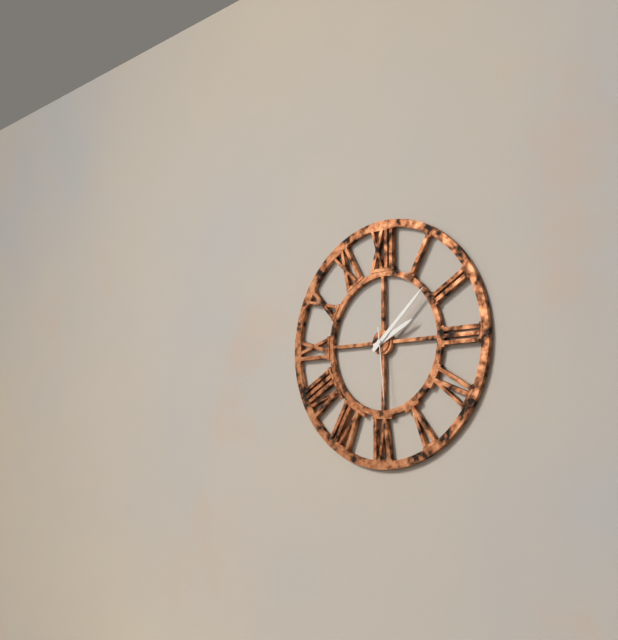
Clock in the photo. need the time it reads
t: 2:08:29
